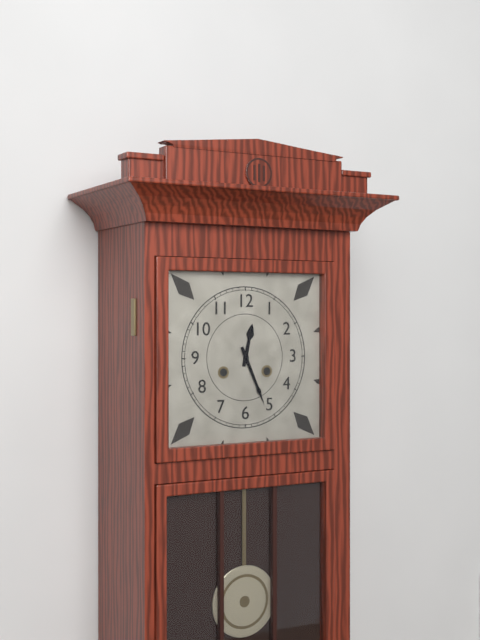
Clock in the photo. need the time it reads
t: 12:26
